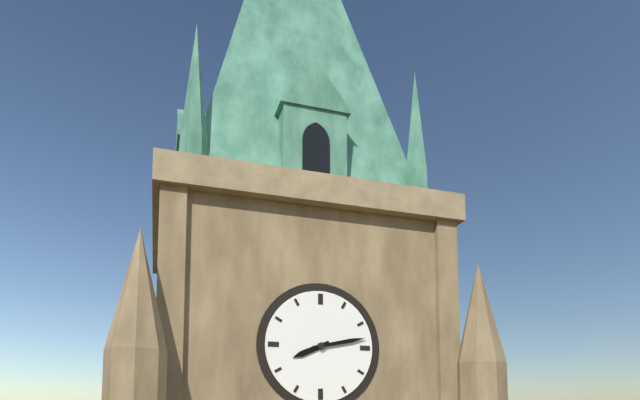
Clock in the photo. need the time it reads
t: 8:13
